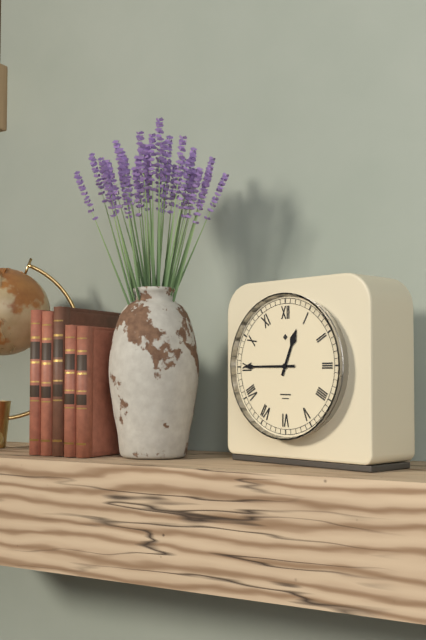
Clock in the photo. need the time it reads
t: 12:45
